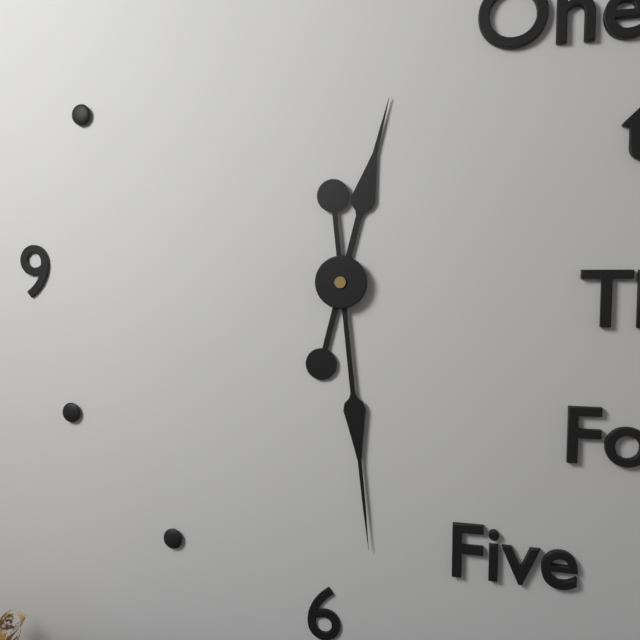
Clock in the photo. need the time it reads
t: 12:29
